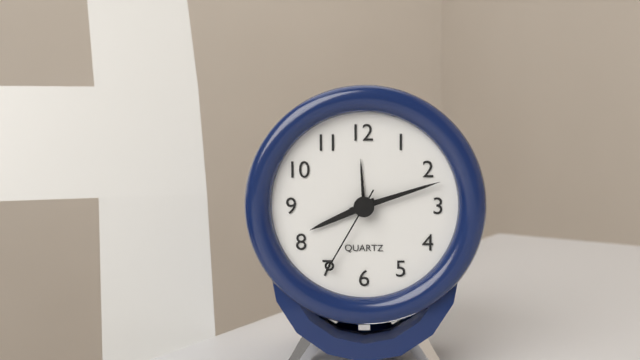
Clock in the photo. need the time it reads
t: 8:12:35
